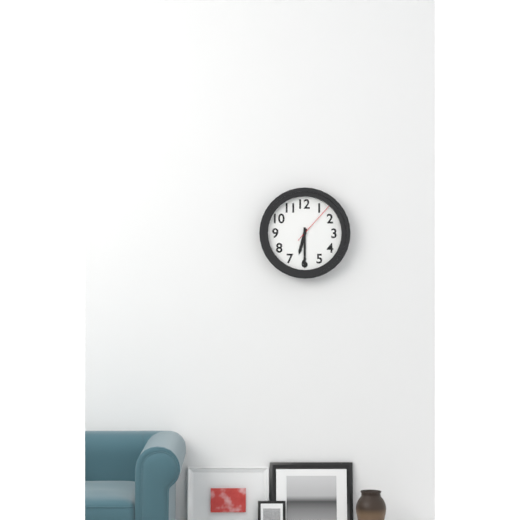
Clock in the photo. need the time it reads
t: 6:30
